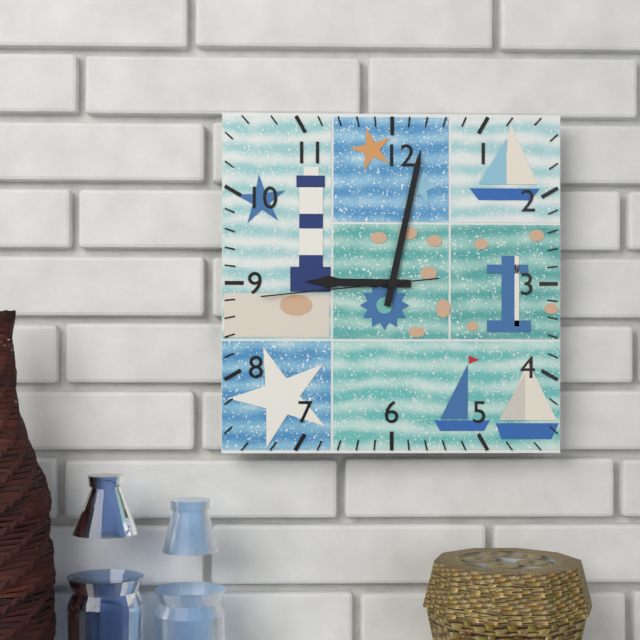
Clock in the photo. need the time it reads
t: 9:02:44
